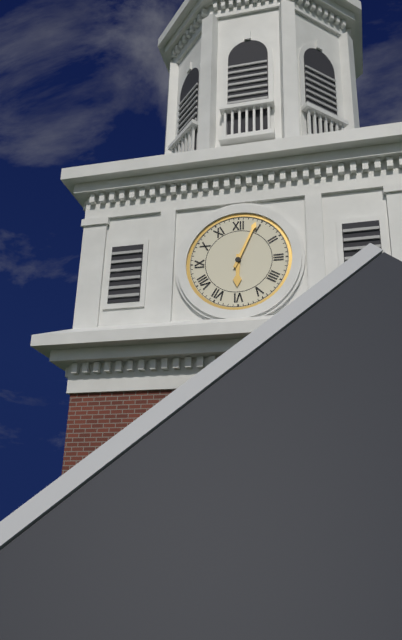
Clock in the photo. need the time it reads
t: 6:04
